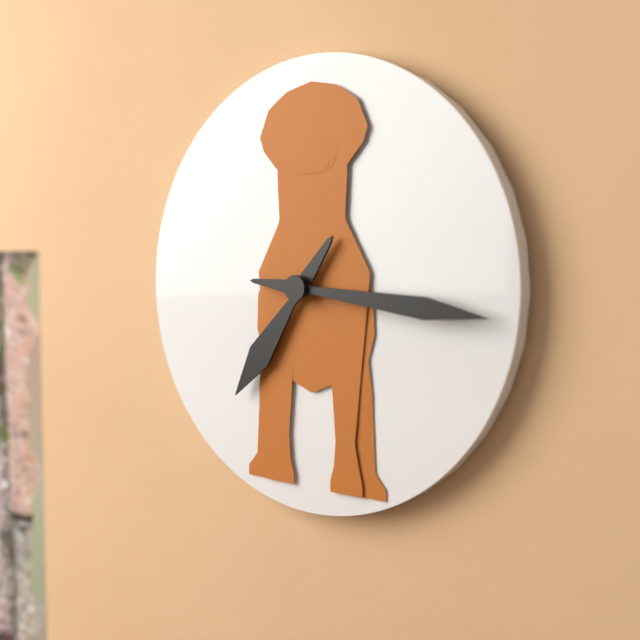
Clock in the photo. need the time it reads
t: 7:16
